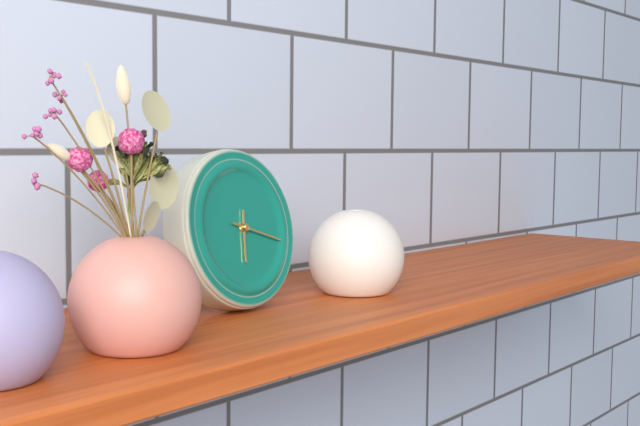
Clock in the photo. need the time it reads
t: 6:18
